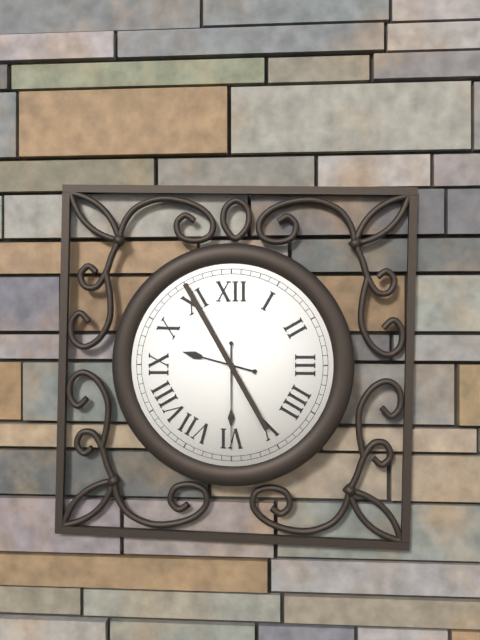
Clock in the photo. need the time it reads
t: 9:30
